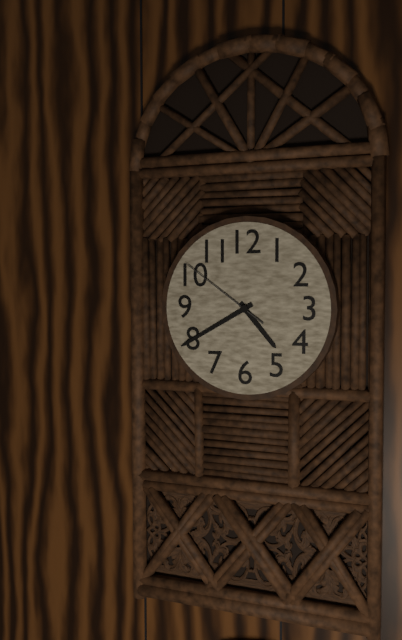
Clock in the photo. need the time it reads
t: 4:40:51
